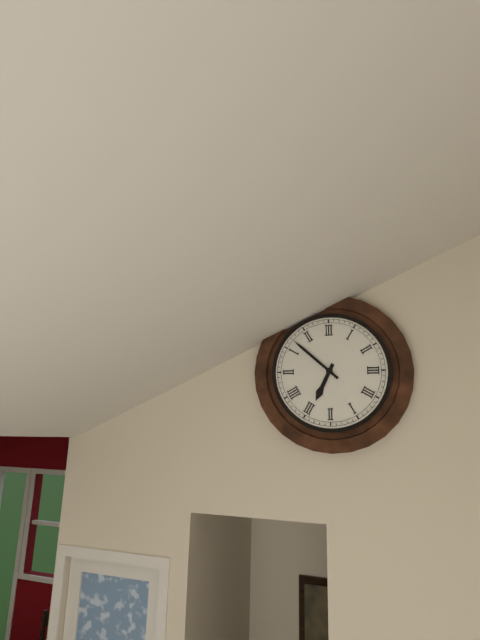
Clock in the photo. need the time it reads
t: 6:52
